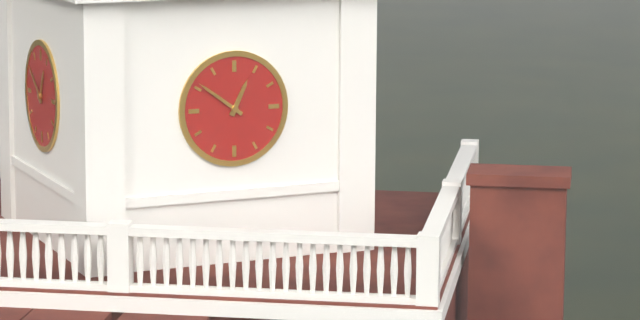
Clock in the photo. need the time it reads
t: 12:51
